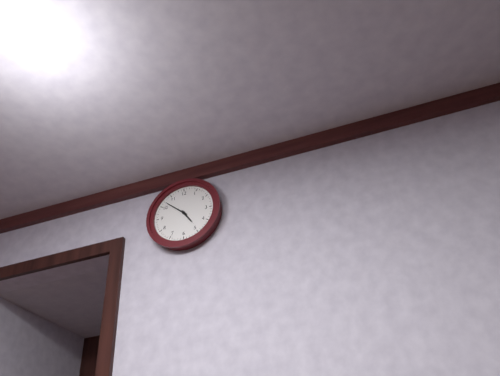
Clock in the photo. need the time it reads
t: 4:52
